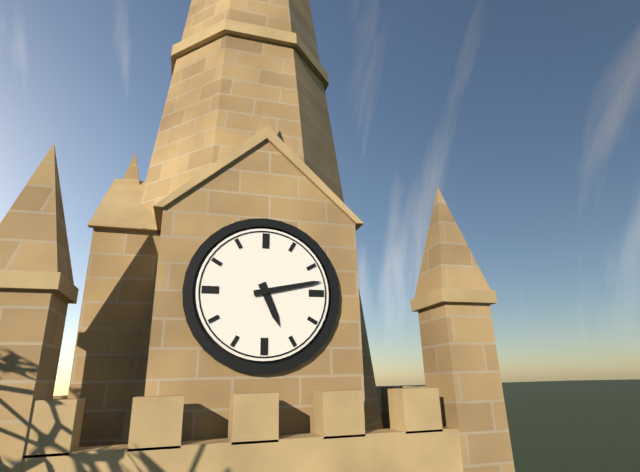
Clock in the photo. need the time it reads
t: 5:13
